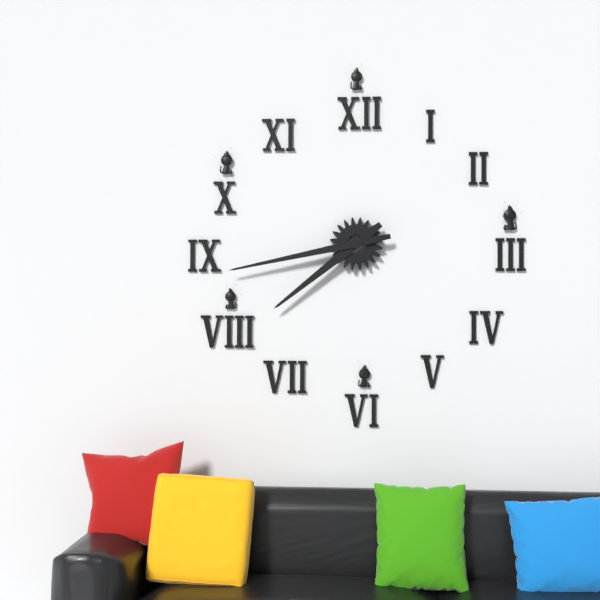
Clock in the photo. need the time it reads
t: 7:43
